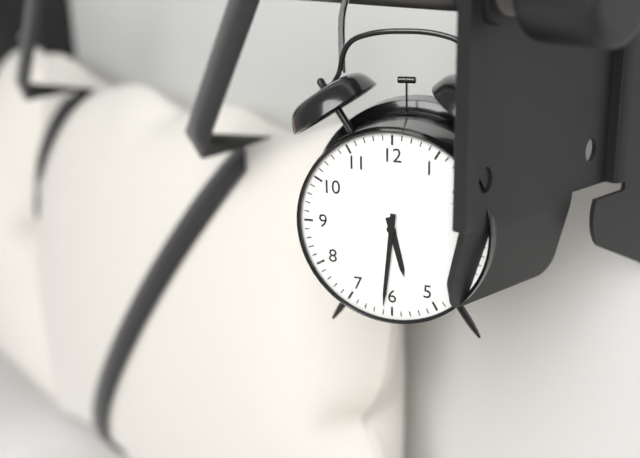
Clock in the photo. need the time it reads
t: 5:31
